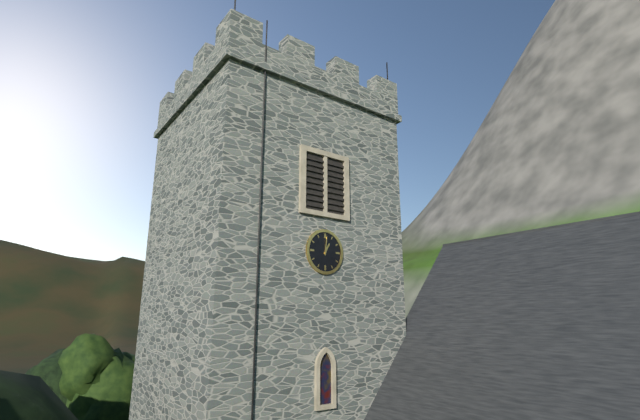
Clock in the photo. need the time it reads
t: 1:01
